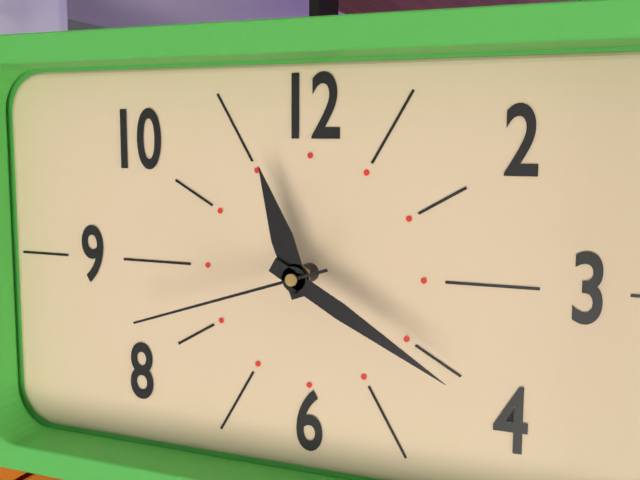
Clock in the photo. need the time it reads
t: 11:20:42
